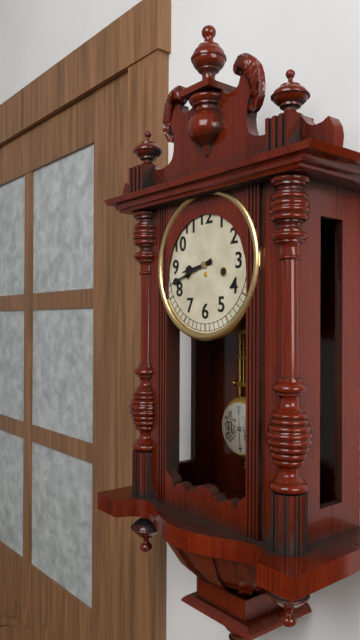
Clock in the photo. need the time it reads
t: 8:42
